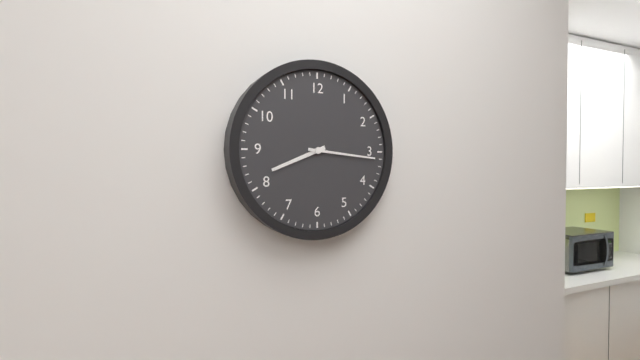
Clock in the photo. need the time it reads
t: 8:16
